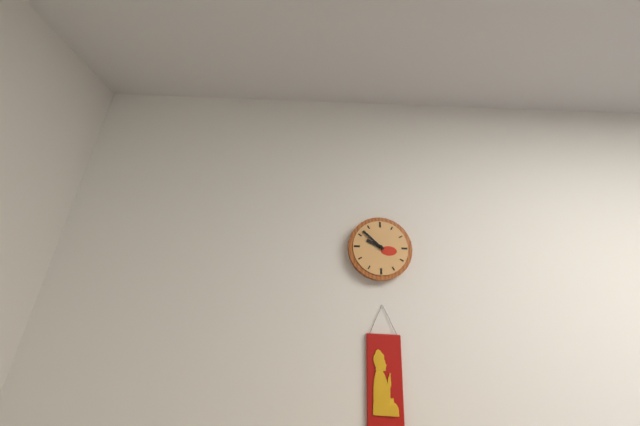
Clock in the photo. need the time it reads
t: 9:52
